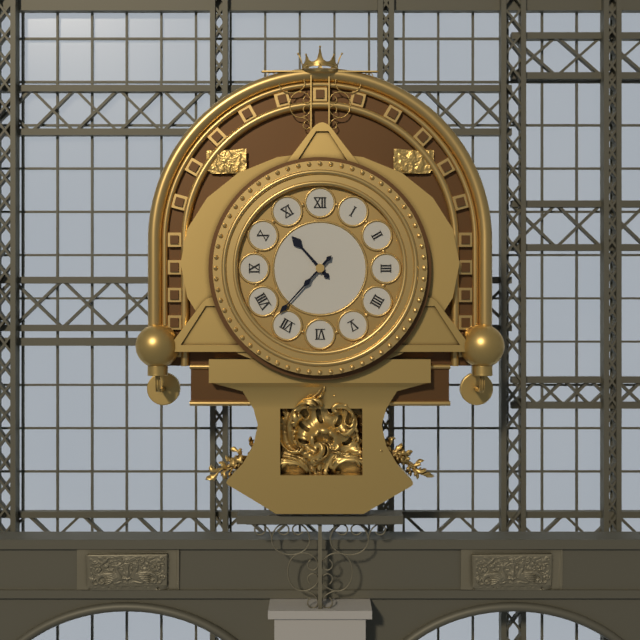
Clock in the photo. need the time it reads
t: 10:37
